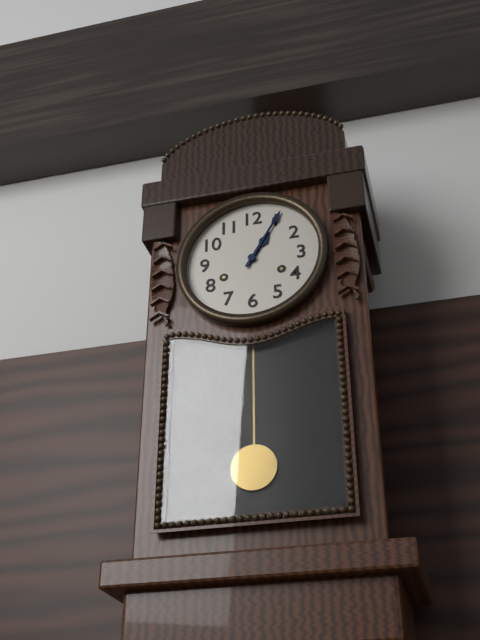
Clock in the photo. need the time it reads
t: 1:05
